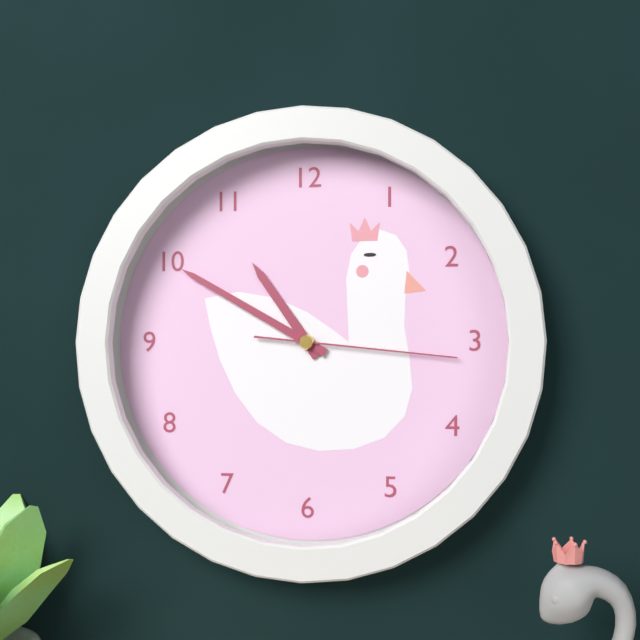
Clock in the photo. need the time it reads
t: 10:50:16
